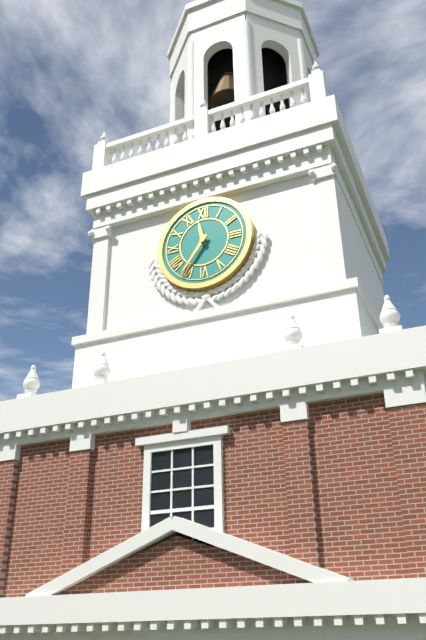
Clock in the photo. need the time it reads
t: 11:36
